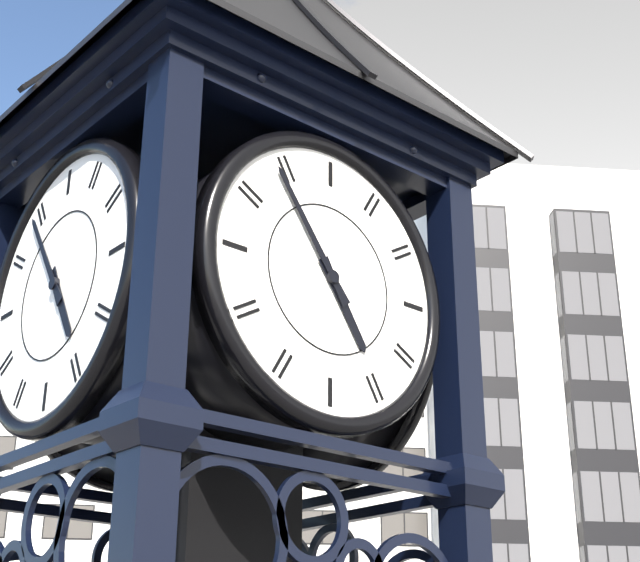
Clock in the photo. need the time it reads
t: 4:54
